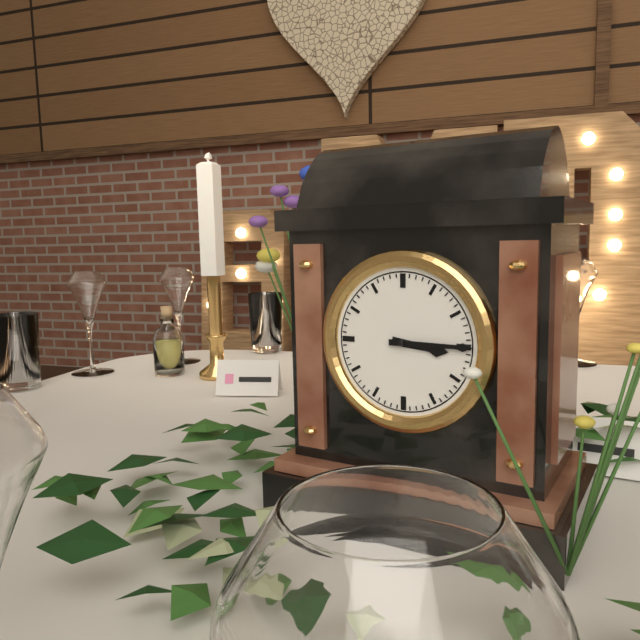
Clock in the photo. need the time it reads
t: 3:15
